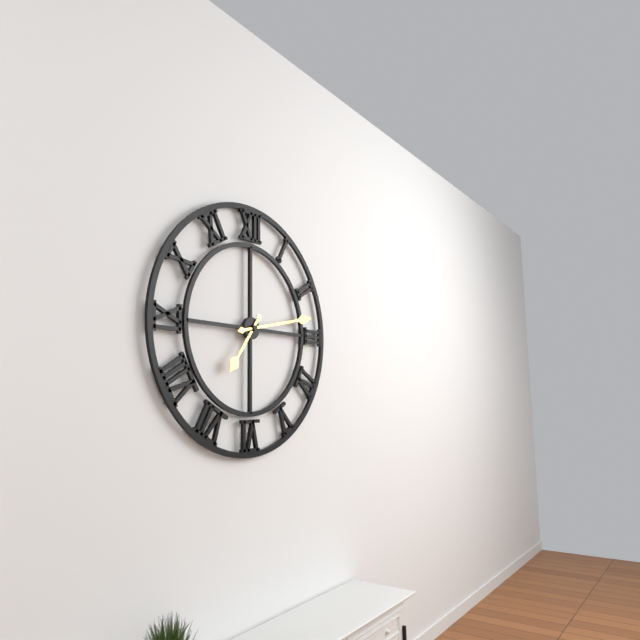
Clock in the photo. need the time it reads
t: 7:13
